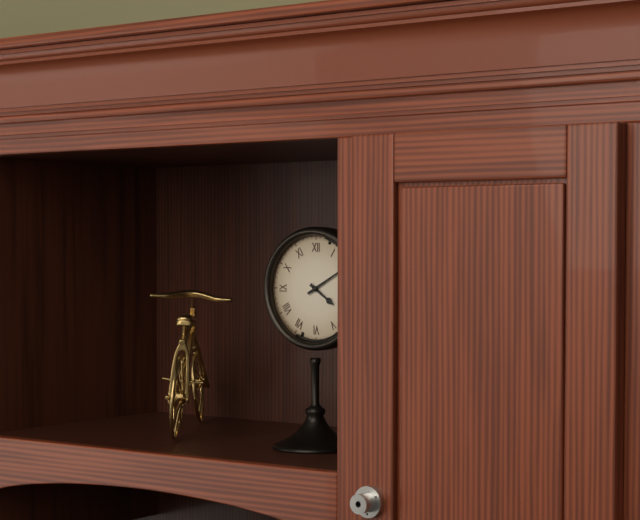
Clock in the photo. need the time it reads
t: 4:10
